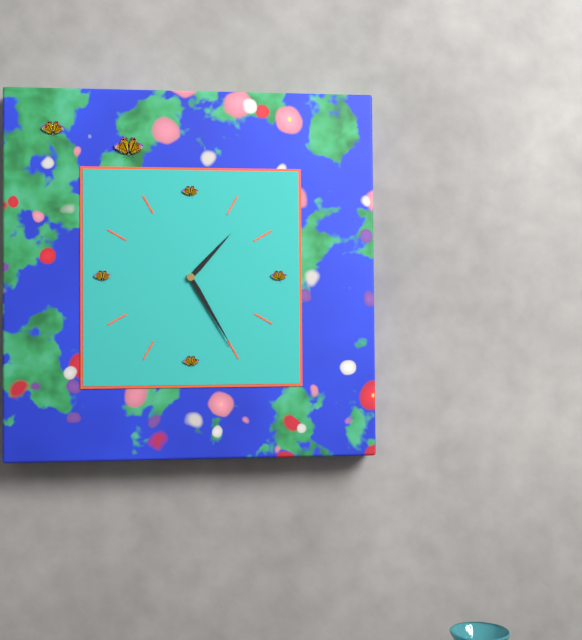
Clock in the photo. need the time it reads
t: 1:25
